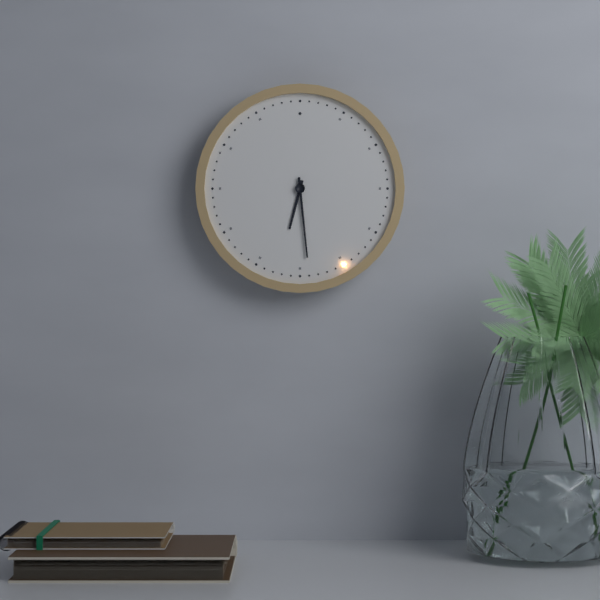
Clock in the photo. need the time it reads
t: 6:29
